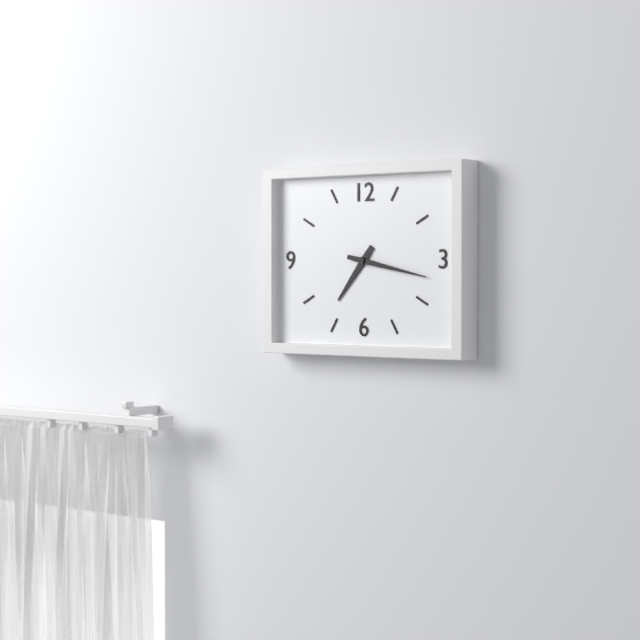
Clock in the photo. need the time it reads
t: 7:17
